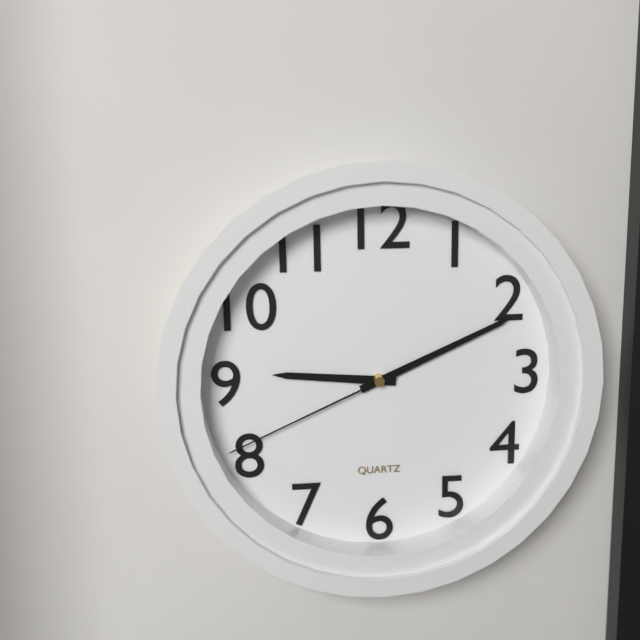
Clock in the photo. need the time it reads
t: 9:11:41
